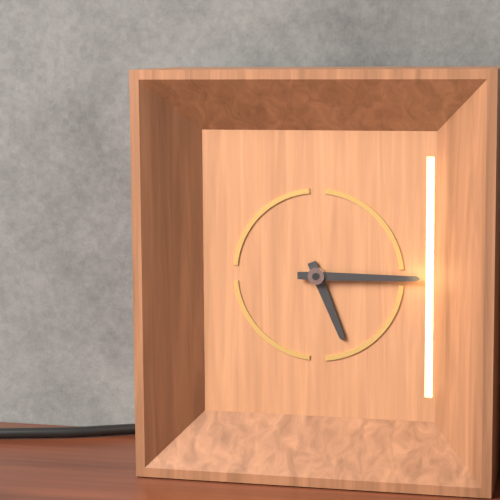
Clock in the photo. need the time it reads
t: 5:15
